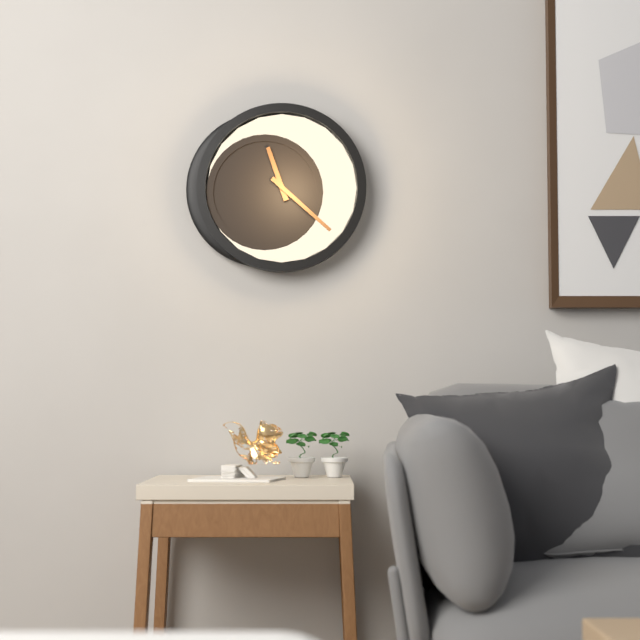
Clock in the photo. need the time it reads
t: 11:22
